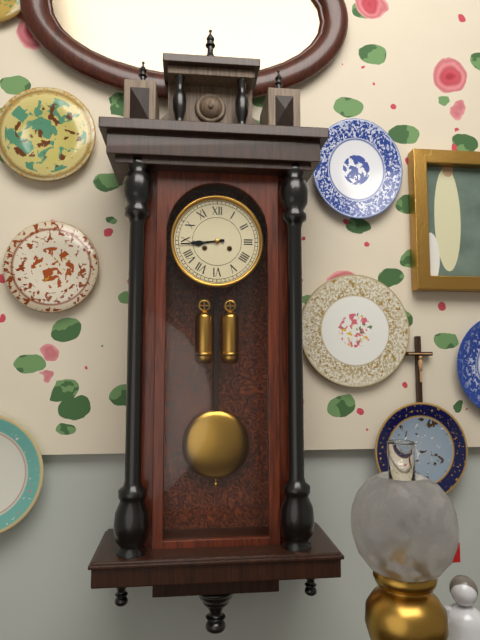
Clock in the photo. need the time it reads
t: 8:44
